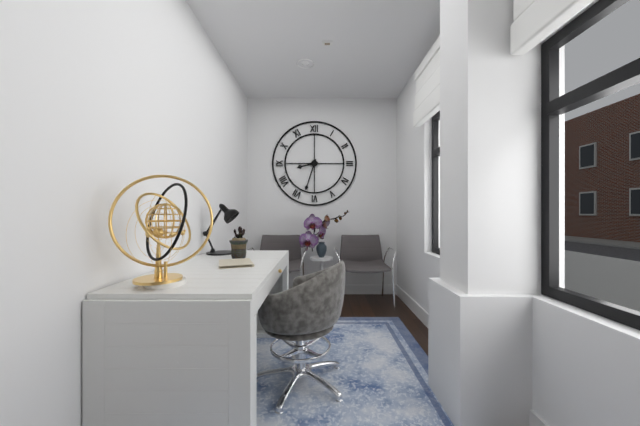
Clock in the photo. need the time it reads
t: 8:33
